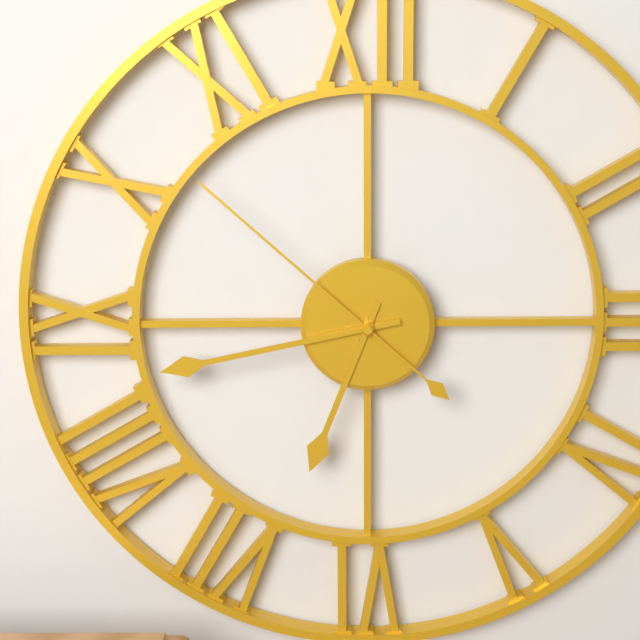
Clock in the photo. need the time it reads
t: 6:43:52
